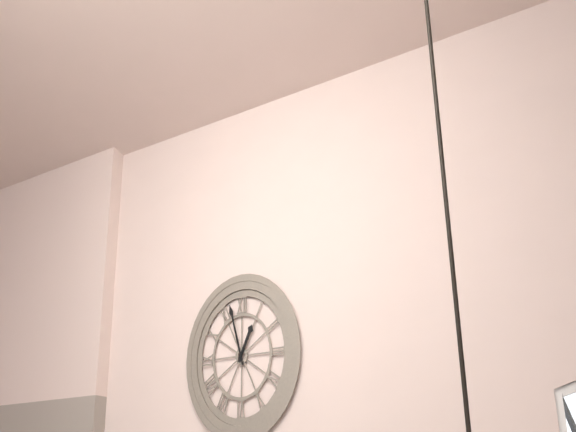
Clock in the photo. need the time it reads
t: 12:57
